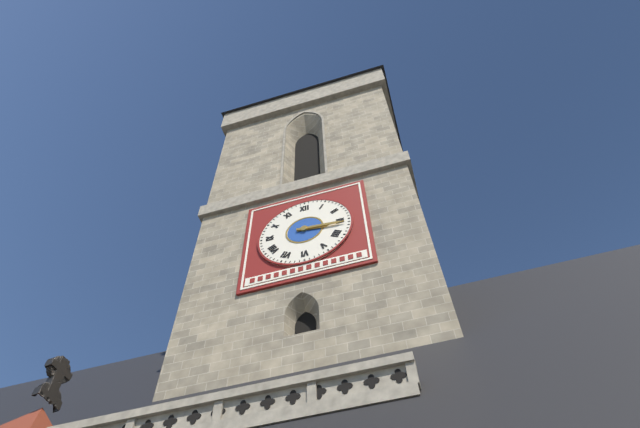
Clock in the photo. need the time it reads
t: 3:16
